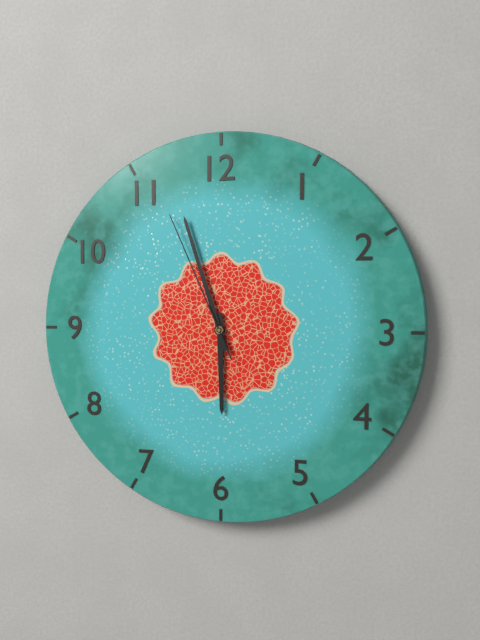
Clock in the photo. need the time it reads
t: 5:57:56
